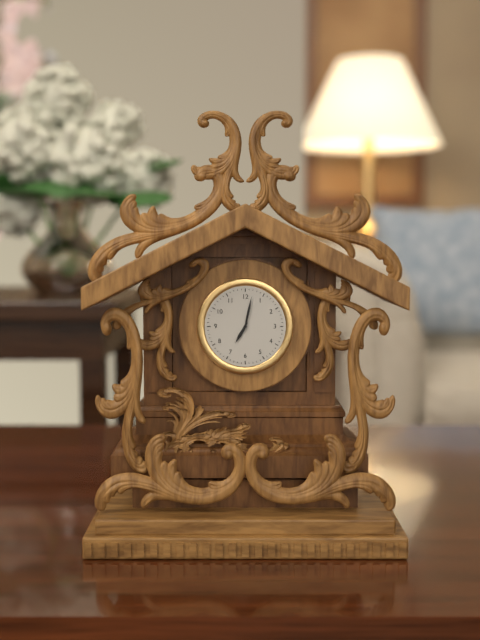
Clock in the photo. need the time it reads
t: 7:02
